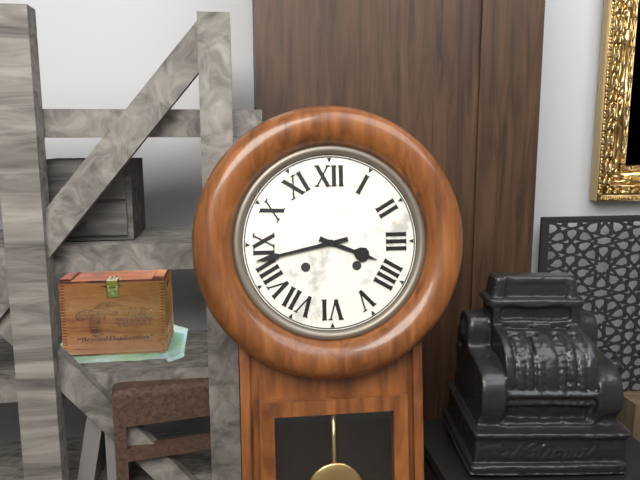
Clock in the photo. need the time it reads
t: 3:43
